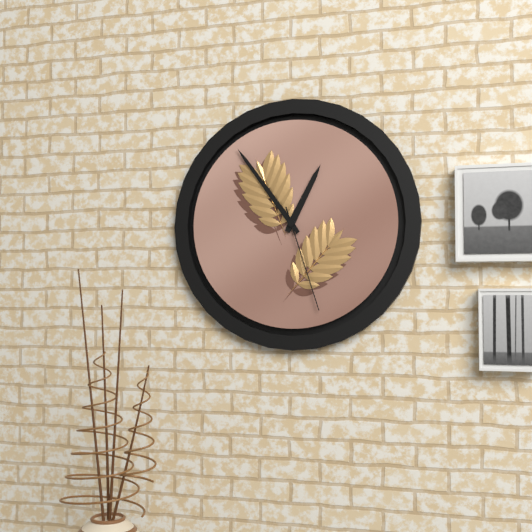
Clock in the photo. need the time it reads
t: 12:54:27
